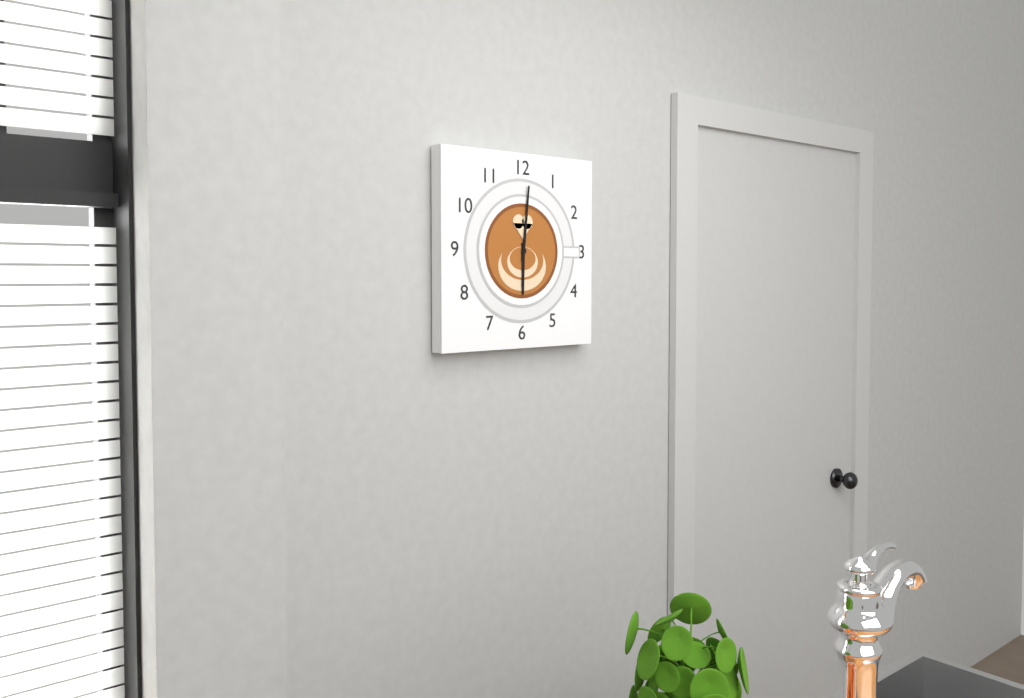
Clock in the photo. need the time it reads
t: 6:01
